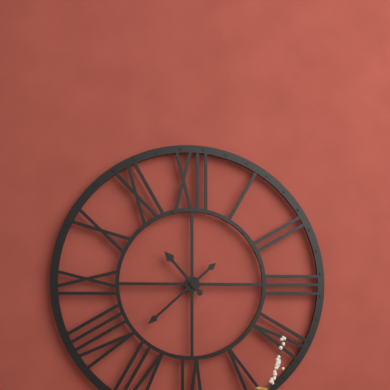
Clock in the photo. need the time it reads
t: 10:38
